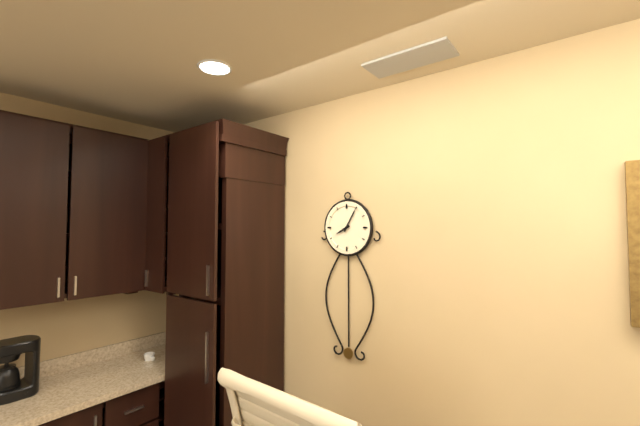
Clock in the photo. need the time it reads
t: 8:05
